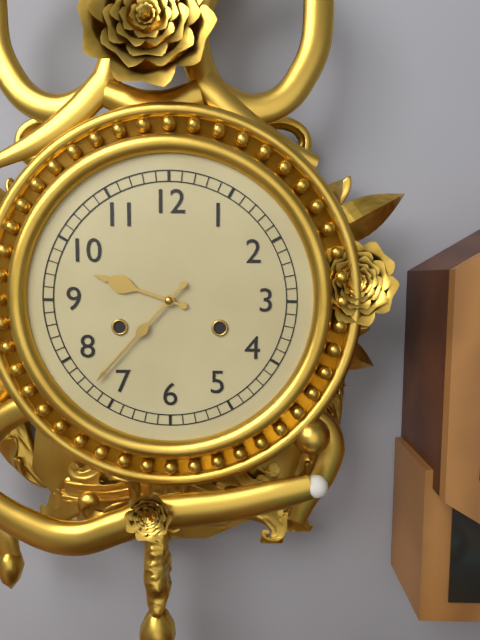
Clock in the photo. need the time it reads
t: 9:37
